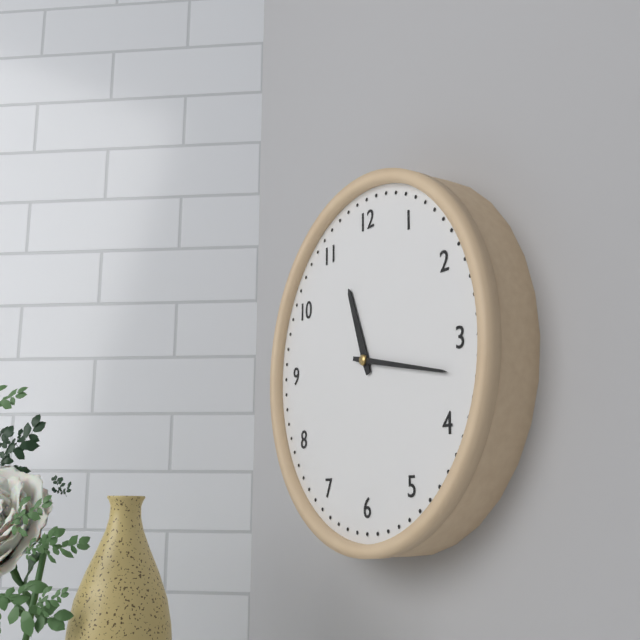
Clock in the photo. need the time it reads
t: 11:17
